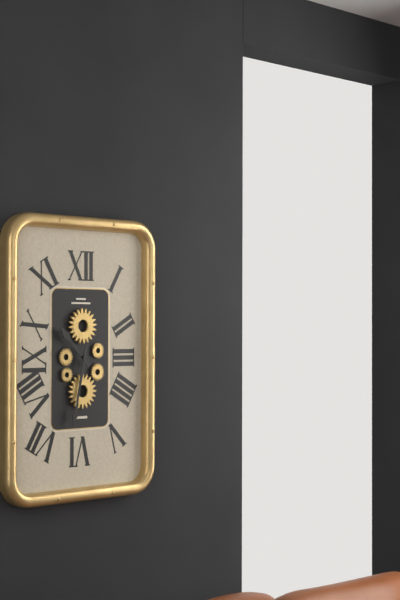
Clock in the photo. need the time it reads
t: 10:32
